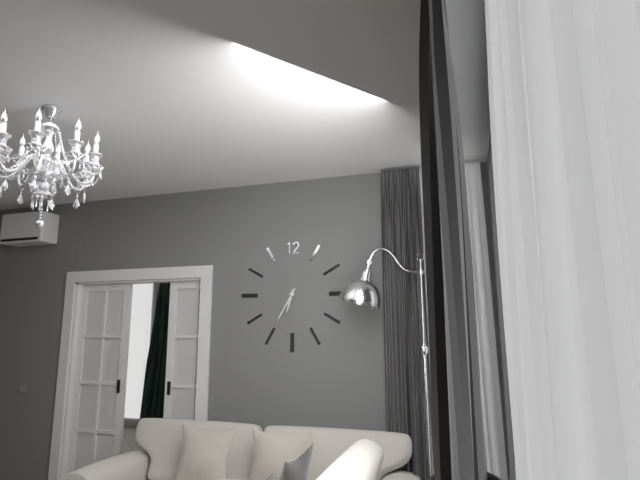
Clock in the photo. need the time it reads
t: 6:35
